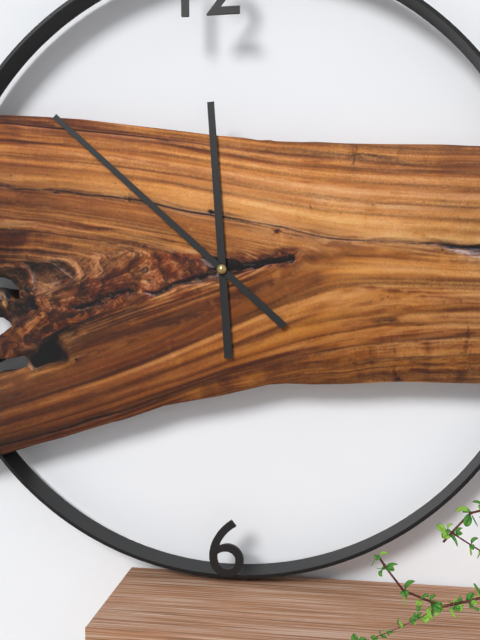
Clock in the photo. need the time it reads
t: 11:52
